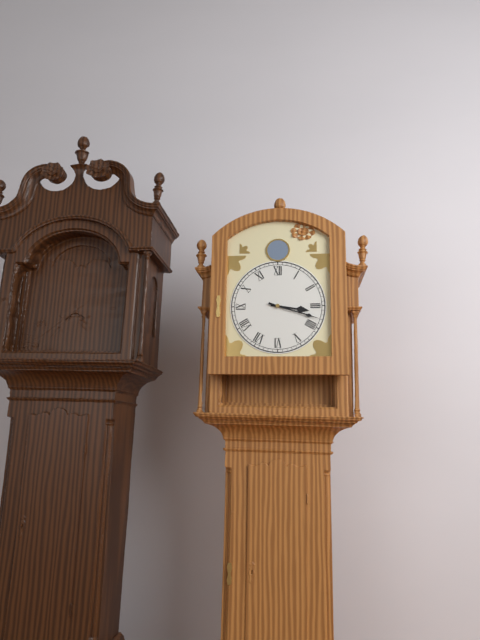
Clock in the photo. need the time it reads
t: 3:18
